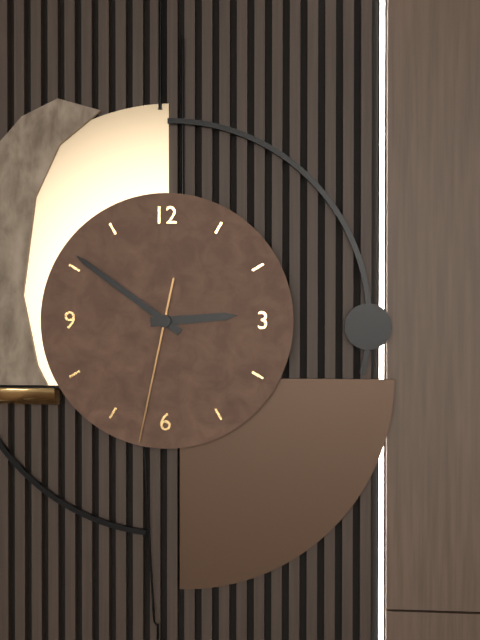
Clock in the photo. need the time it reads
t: 2:51:32
